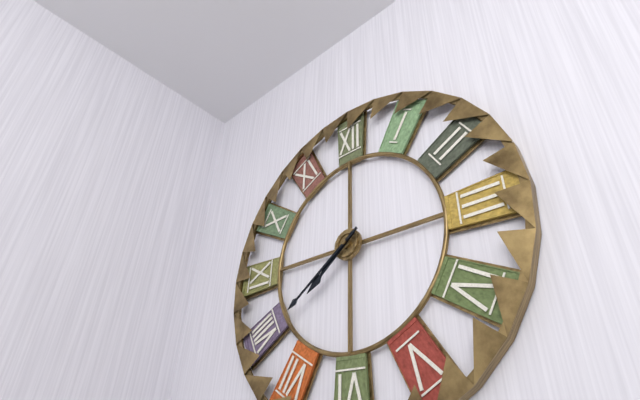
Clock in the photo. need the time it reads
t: 7:39
